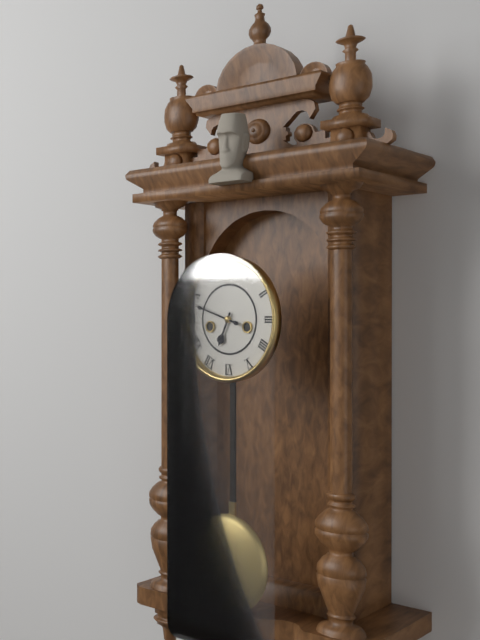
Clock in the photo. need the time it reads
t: 6:48
